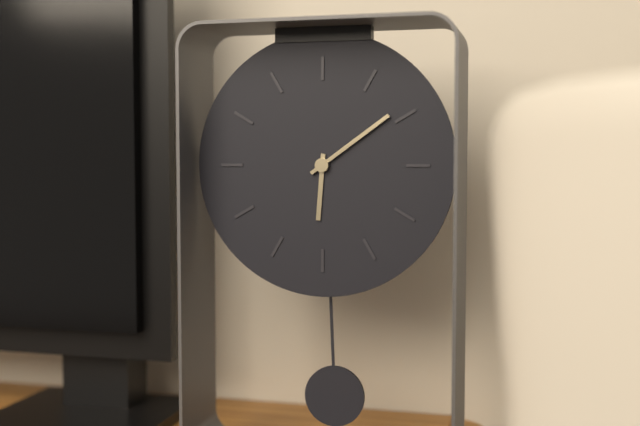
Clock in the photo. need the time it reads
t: 6:09
